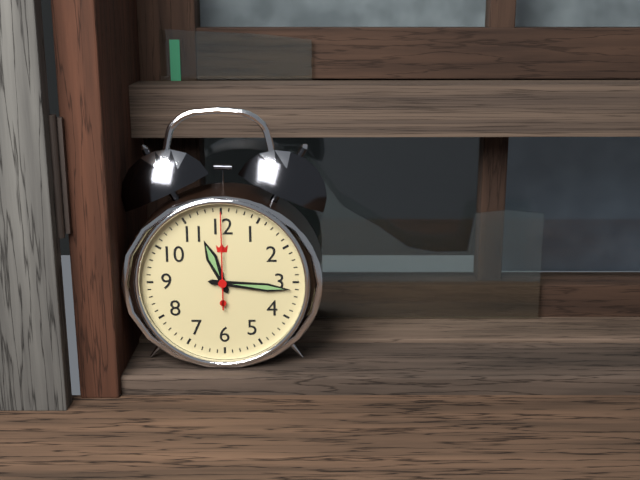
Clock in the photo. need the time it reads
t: 11:16:00
